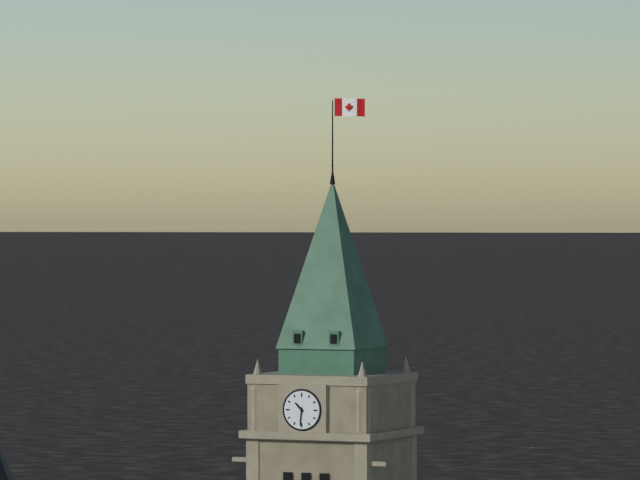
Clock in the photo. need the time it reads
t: 10:31
